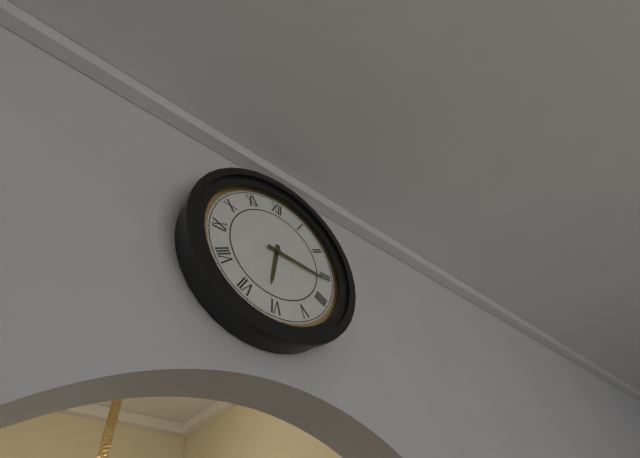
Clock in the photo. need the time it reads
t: 6:16
